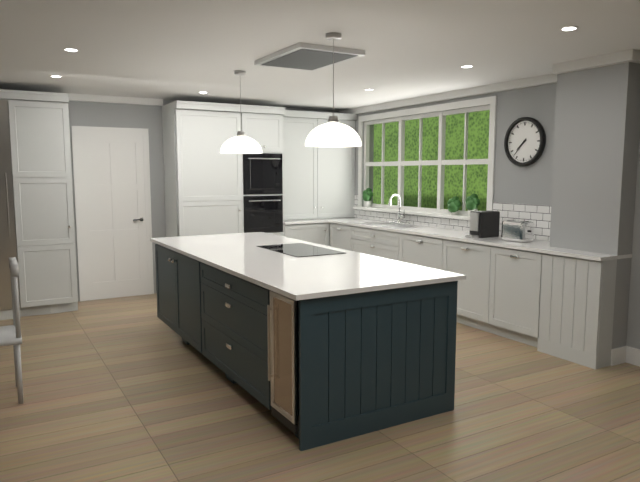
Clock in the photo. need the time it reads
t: 7:37
